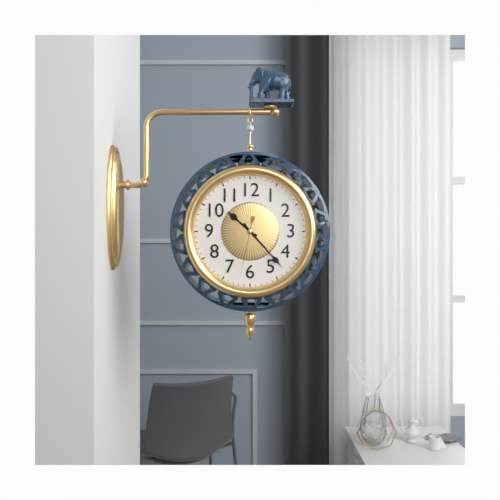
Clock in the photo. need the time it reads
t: 10:23:32
